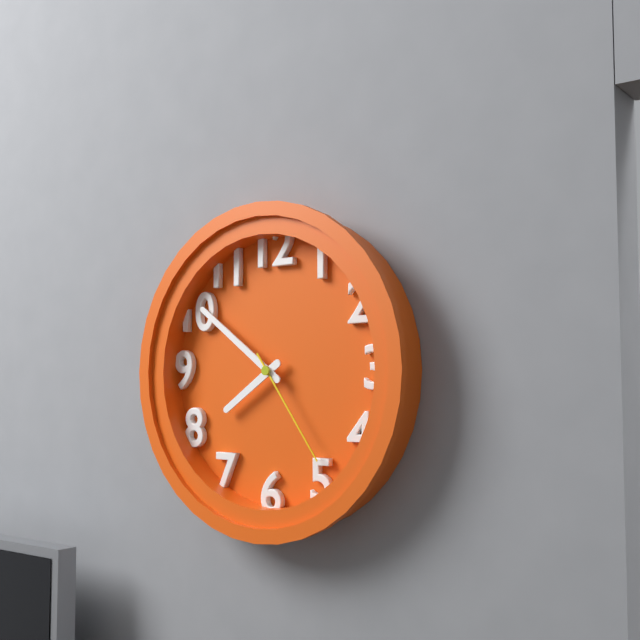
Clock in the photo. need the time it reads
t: 7:51:24
